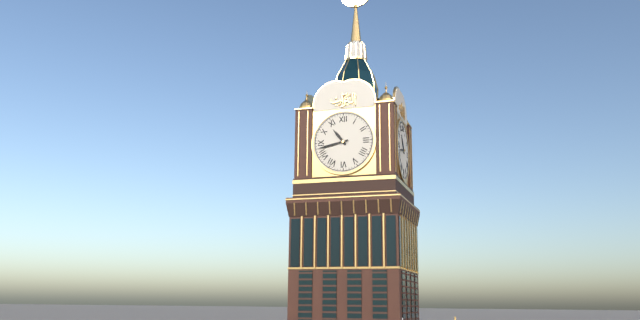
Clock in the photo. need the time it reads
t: 10:43
